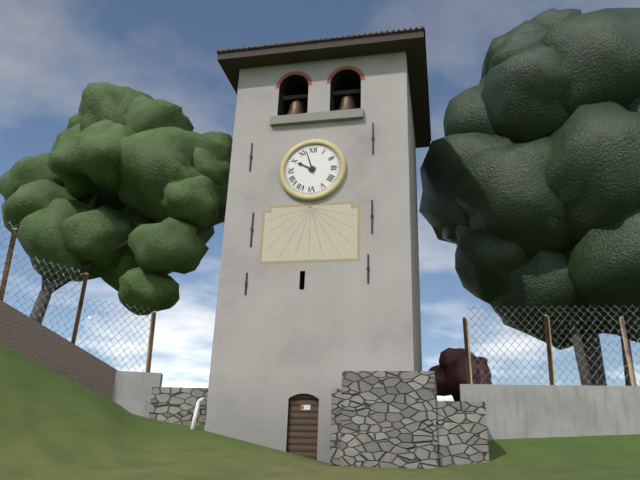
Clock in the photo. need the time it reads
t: 9:57
